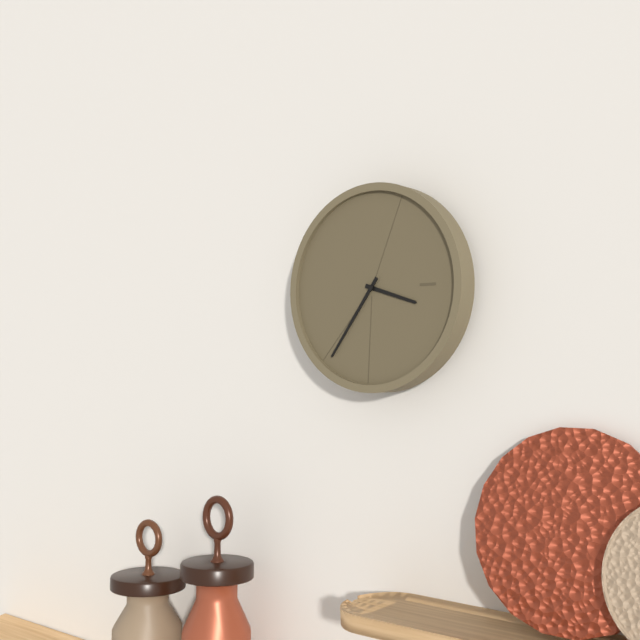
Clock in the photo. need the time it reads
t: 3:36
